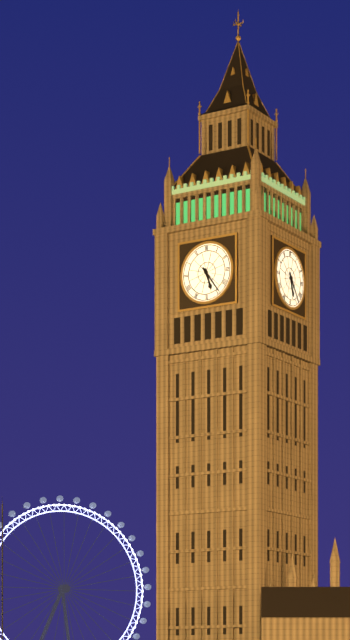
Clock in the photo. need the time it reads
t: 5:24
